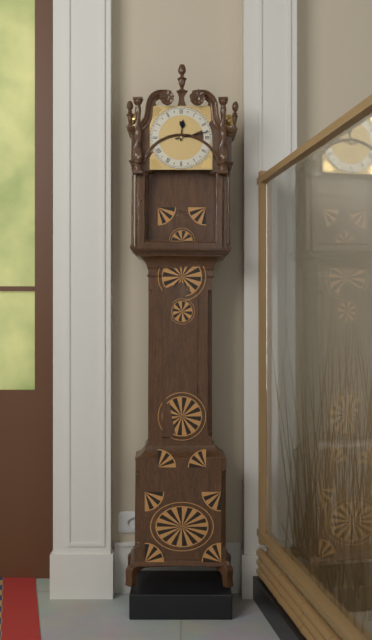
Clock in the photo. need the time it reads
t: 12:13
